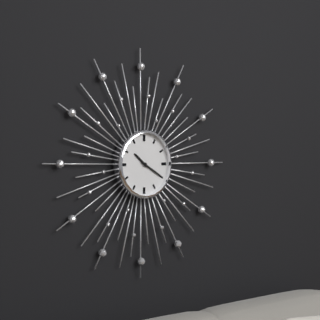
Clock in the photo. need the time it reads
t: 10:20
